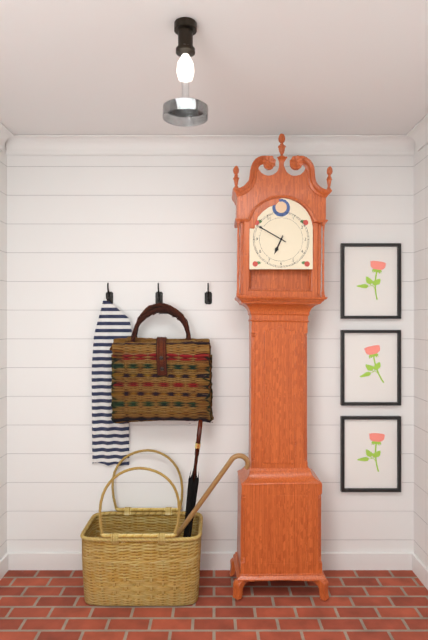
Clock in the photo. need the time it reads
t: 6:50
